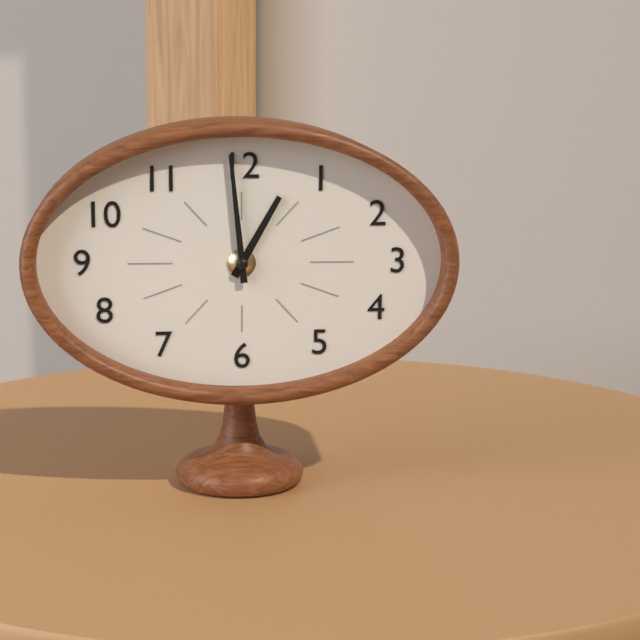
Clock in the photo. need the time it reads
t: 12:59
